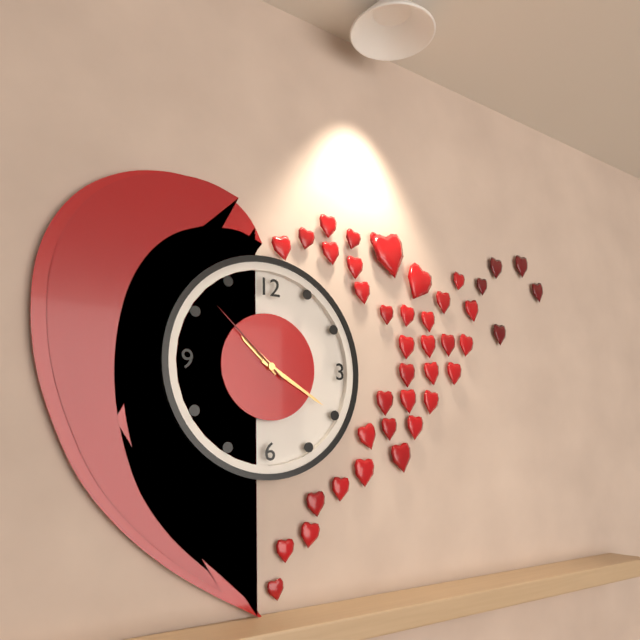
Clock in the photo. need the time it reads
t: 10:20:52
